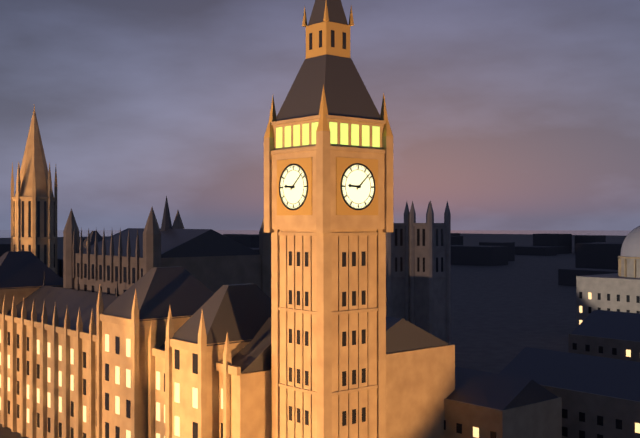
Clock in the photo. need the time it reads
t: 9:08
